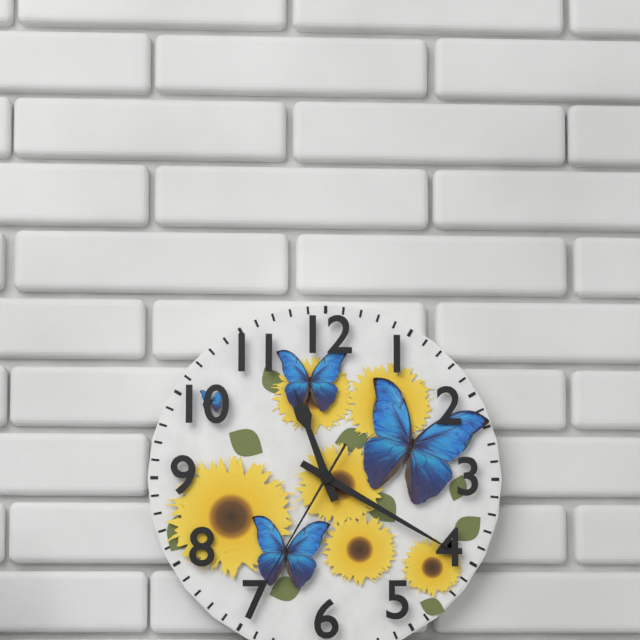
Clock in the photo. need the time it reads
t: 11:20:35
